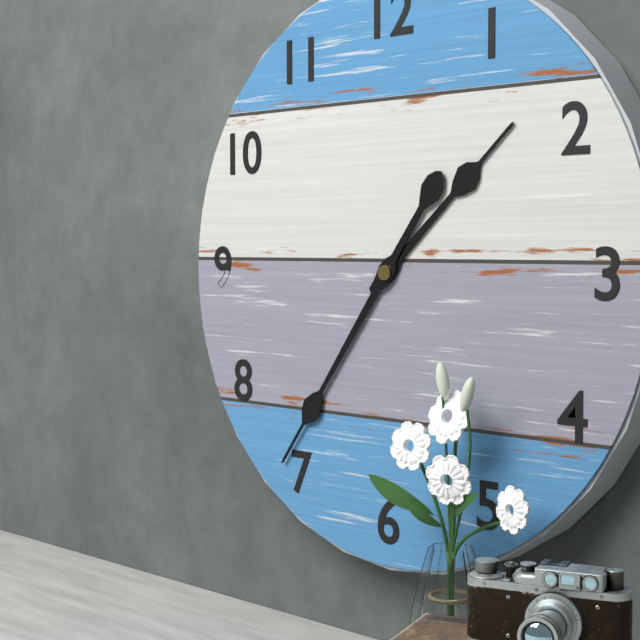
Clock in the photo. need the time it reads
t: 1:36
